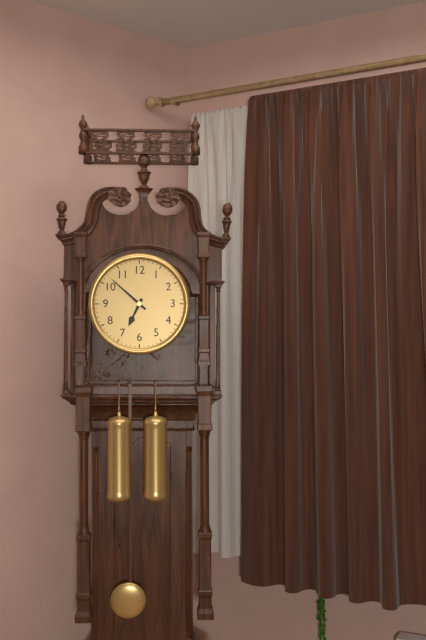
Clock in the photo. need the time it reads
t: 6:52
